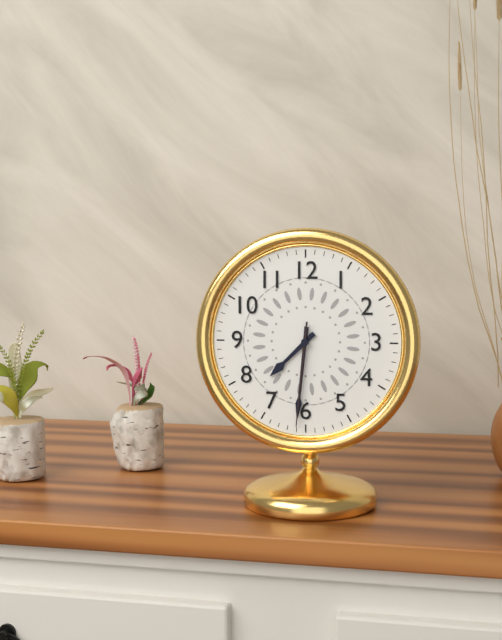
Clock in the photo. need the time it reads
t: 7:31:31
